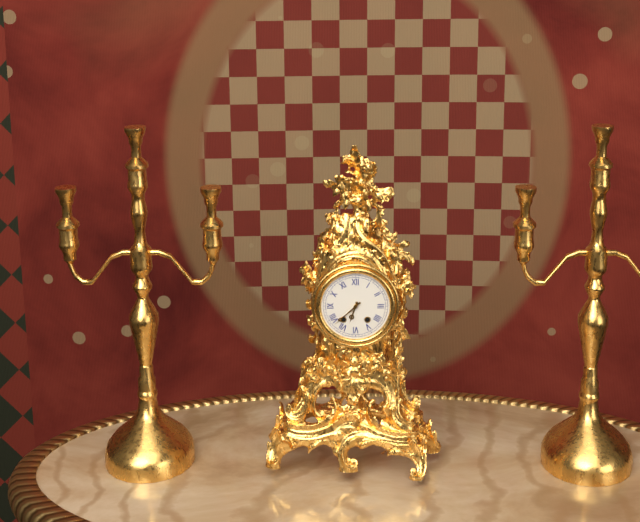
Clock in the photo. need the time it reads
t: 6:38
